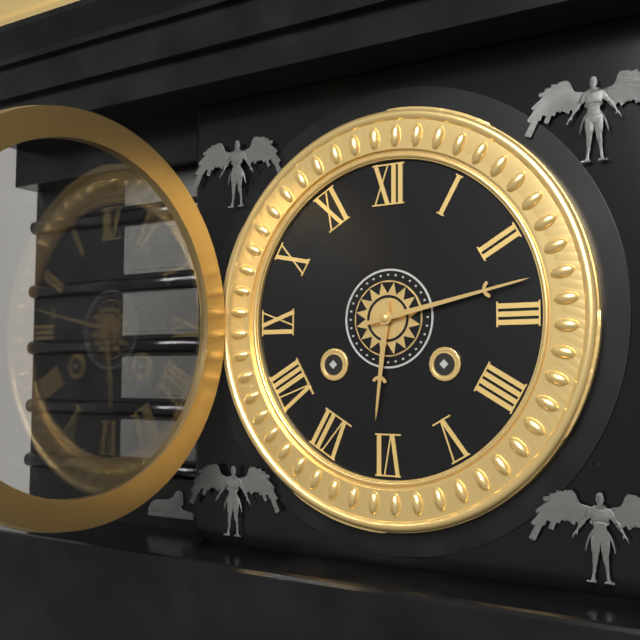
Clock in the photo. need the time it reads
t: 6:13
